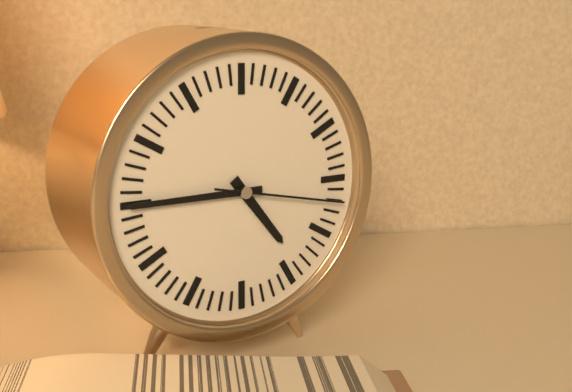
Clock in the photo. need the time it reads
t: 4:45:17
